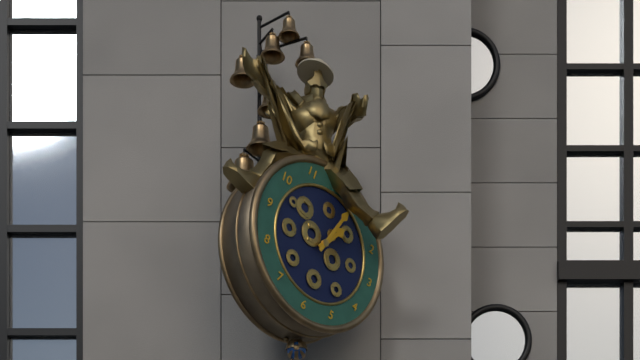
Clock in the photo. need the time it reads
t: 1:03
